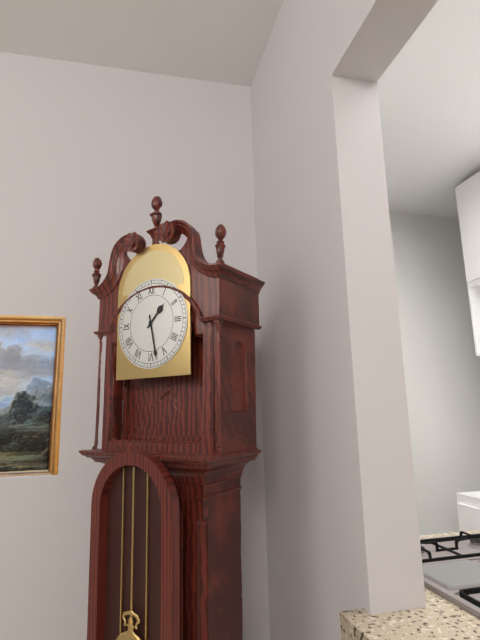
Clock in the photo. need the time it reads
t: 1:28
